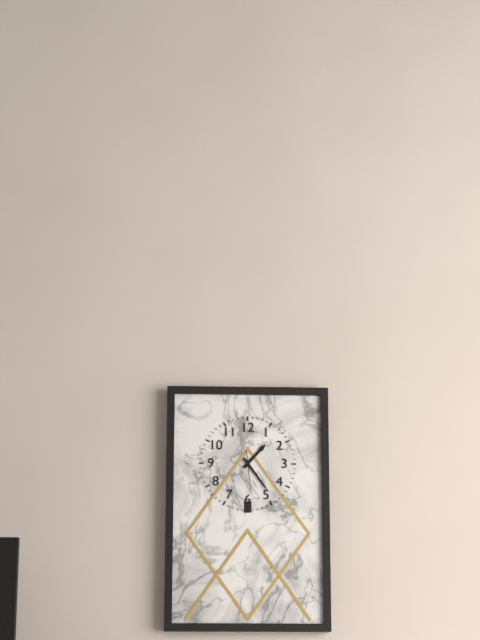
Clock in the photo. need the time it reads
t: 1:24
